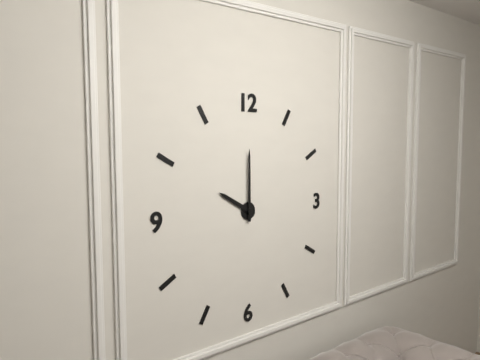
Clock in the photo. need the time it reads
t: 10:00
